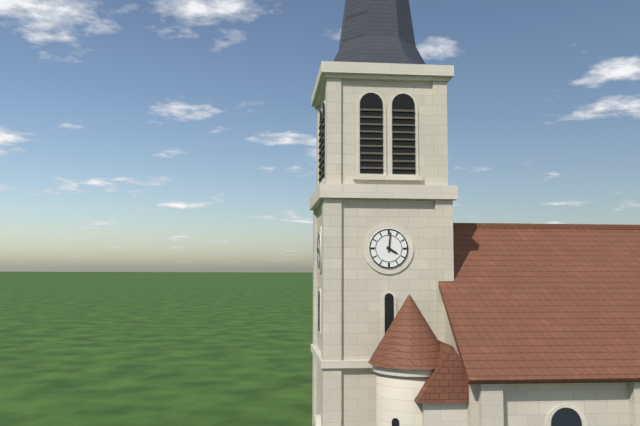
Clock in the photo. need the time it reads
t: 4:01
